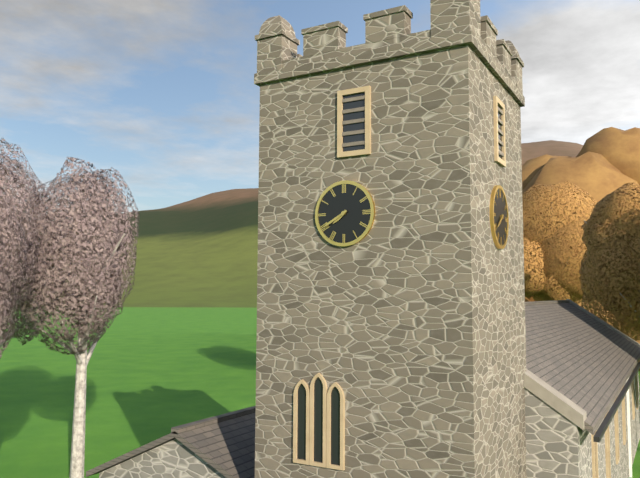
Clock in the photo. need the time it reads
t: 7:40
